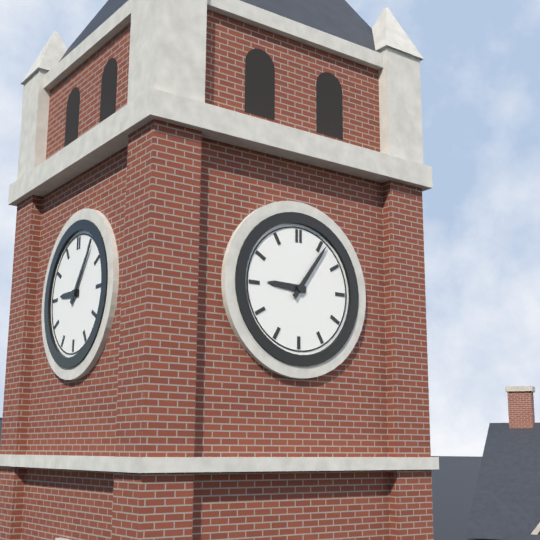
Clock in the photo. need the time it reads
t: 9:06
